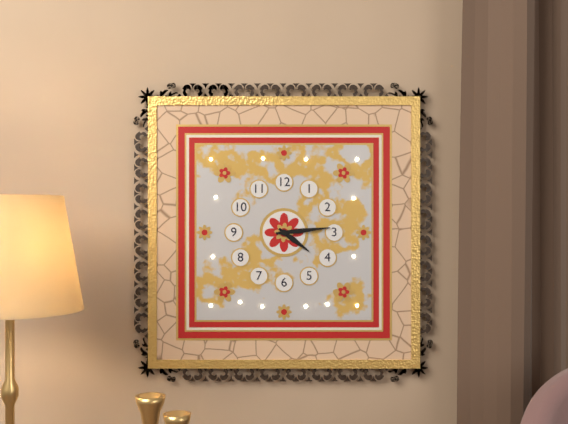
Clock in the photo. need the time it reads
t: 4:14
